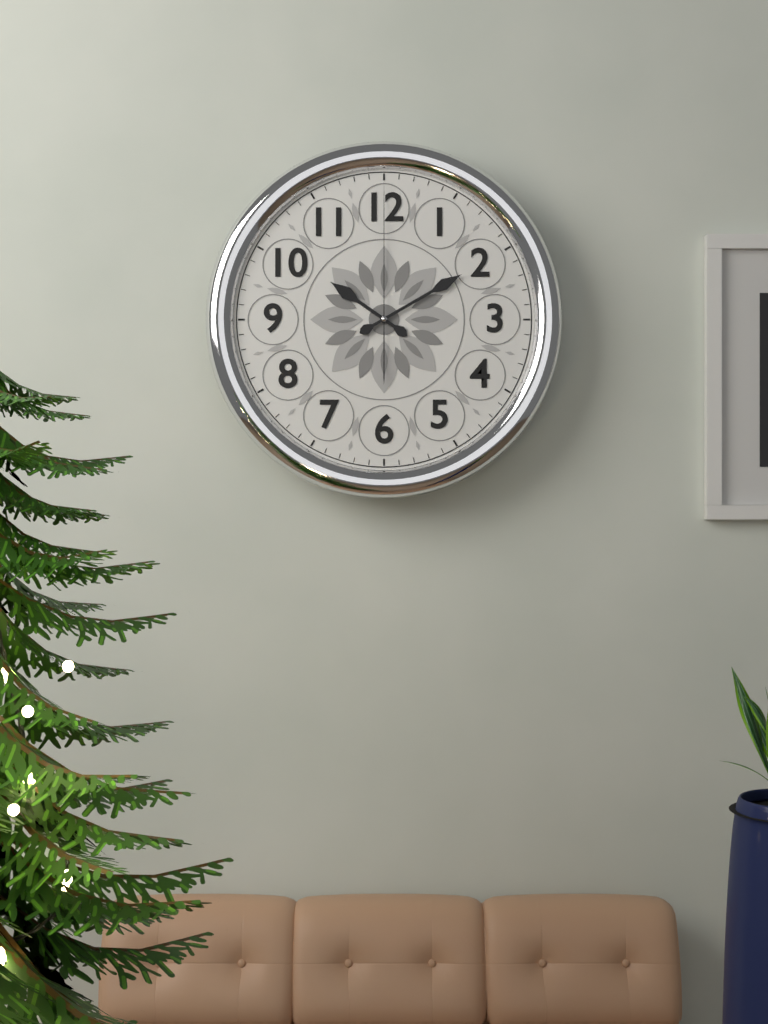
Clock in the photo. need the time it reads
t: 10:10:00
